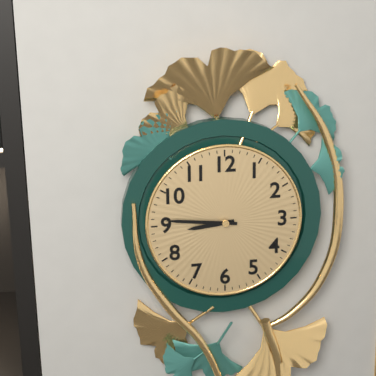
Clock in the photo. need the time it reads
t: 8:46
